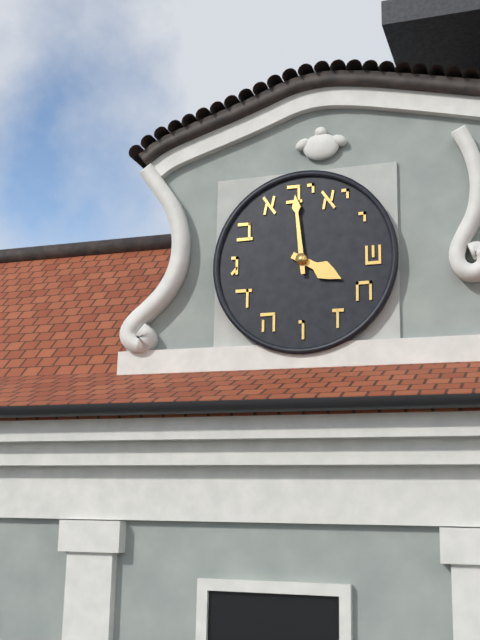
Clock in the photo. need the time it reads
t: 3:59
